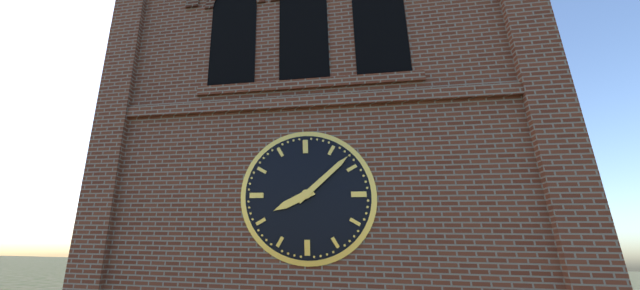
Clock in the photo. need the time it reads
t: 8:08
